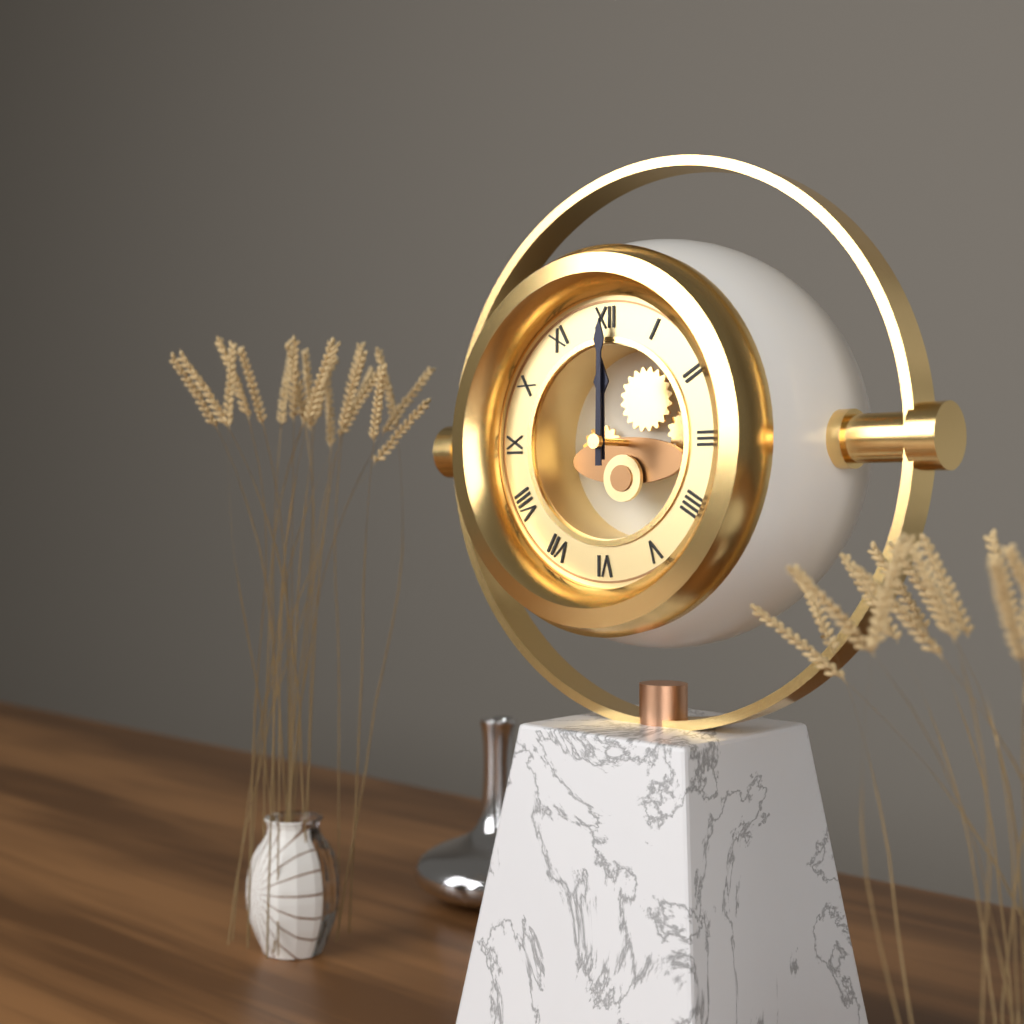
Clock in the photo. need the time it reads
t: 12:00
